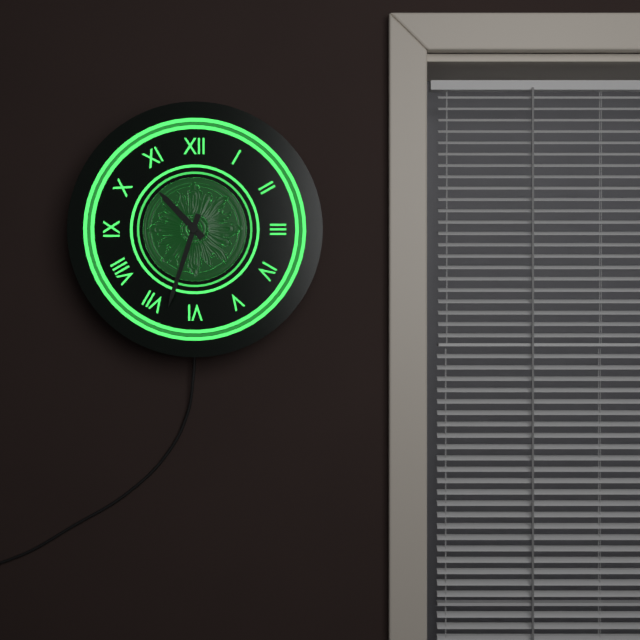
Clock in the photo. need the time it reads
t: 10:33
